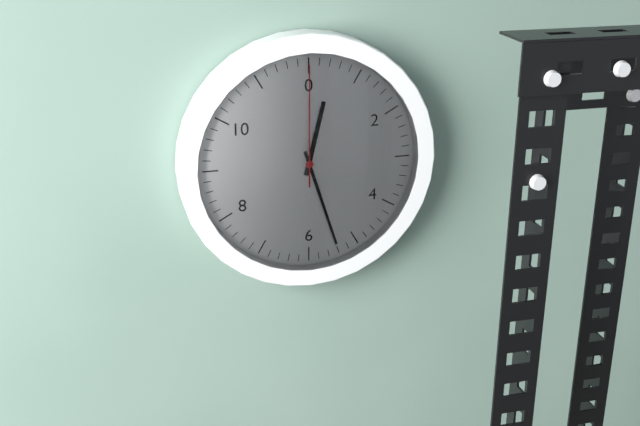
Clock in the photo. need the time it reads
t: 12:27:00
